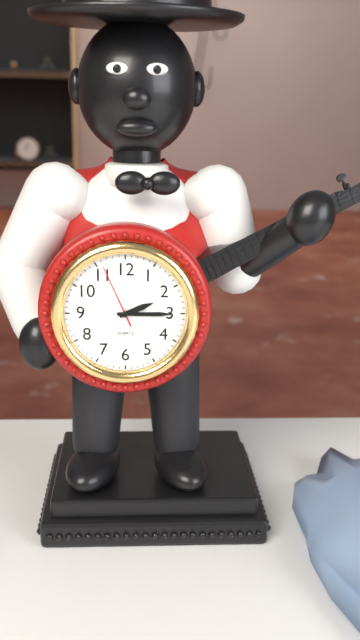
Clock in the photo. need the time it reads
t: 2:15:56
